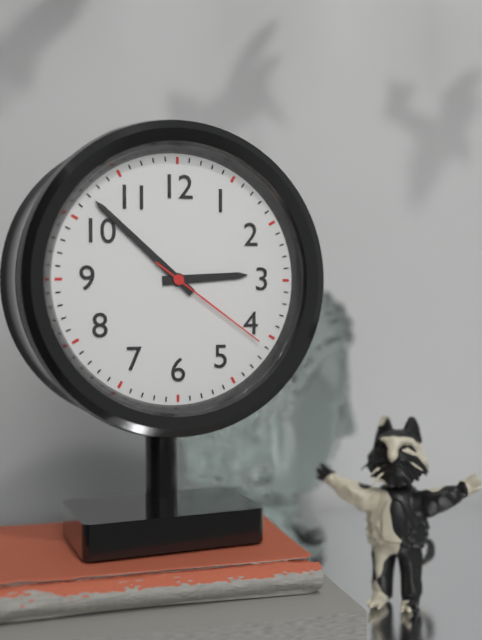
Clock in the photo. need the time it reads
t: 2:52:21
